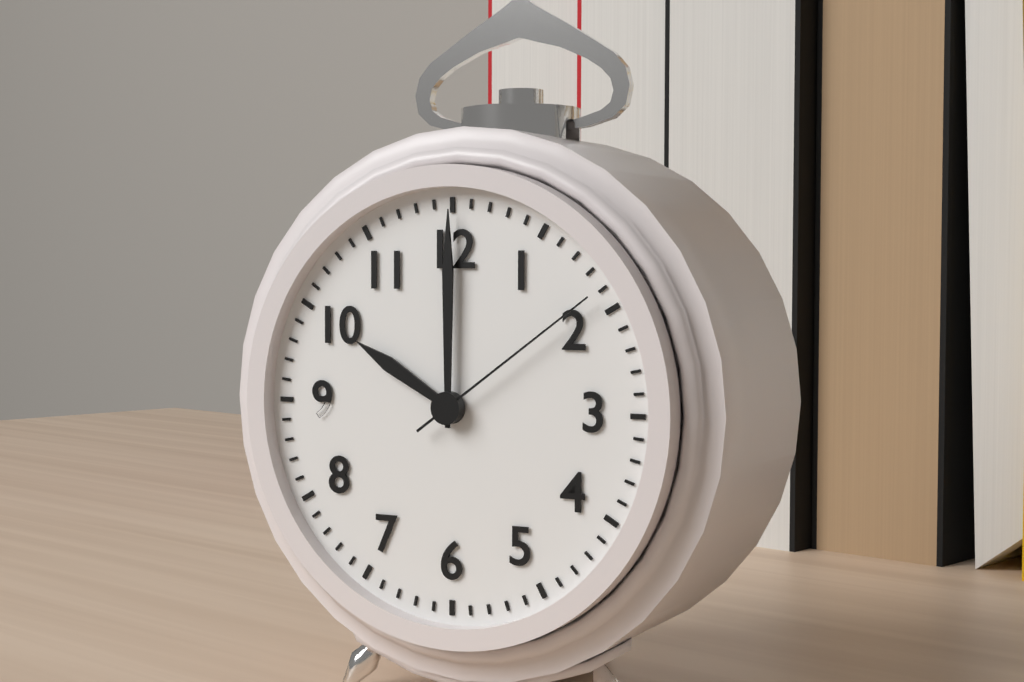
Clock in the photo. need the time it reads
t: 10:00:09
